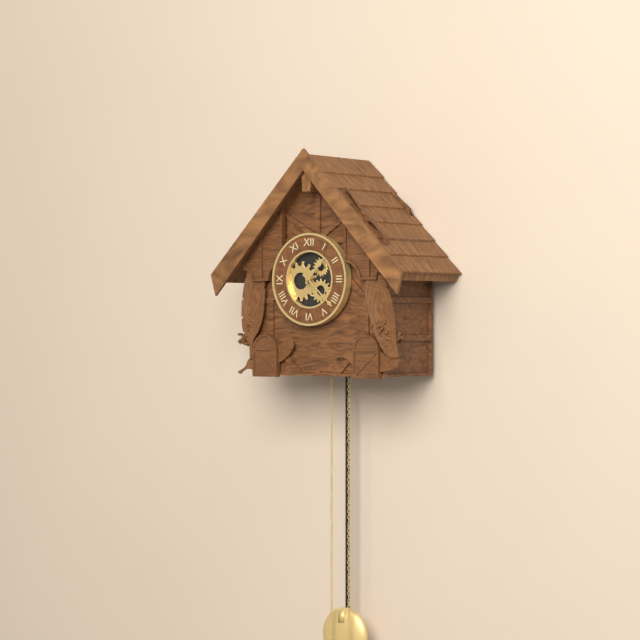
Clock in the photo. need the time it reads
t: 1:22
